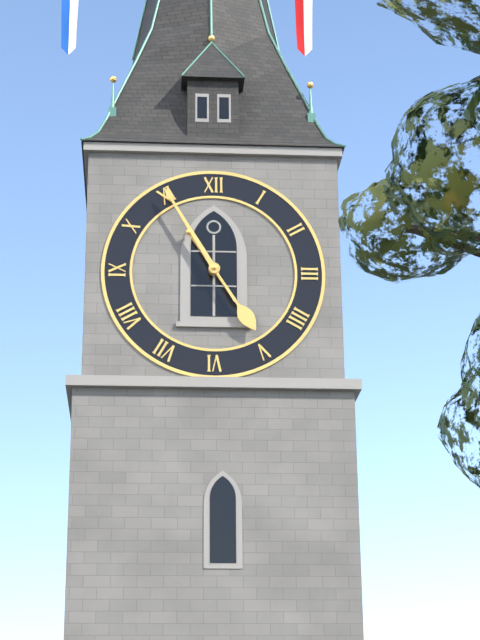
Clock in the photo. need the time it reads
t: 4:55
